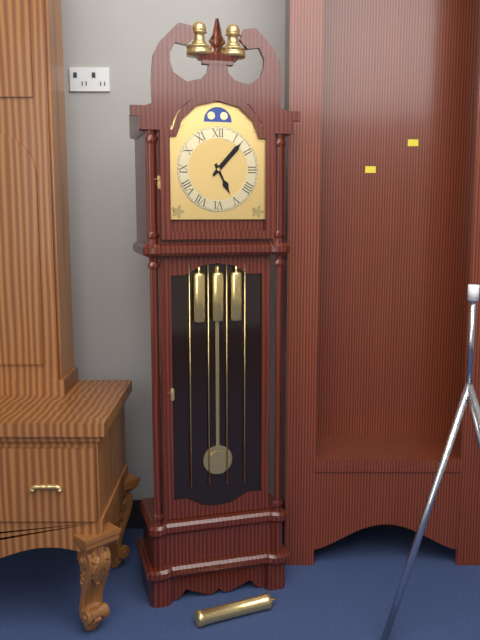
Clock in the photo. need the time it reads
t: 5:07
